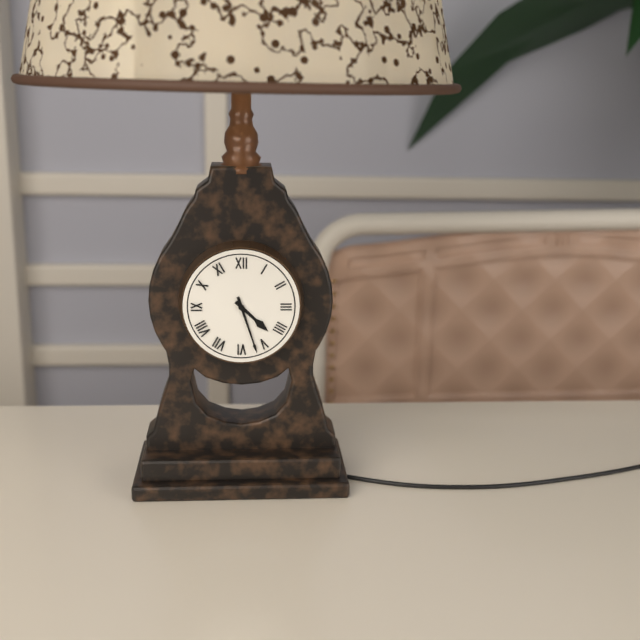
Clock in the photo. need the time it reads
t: 4:27
